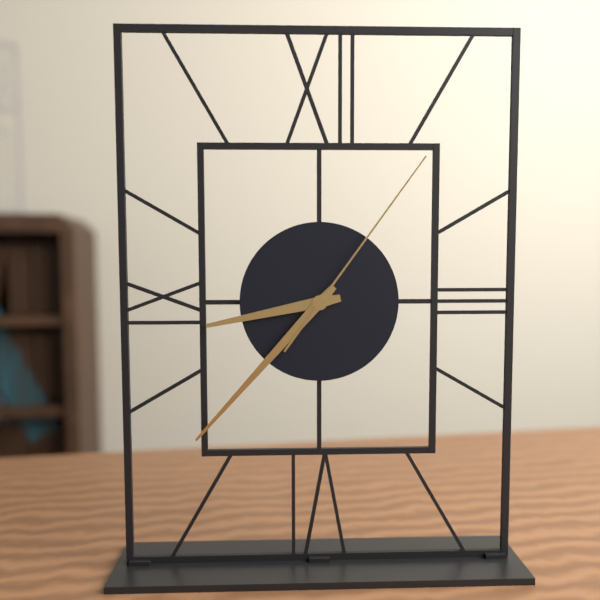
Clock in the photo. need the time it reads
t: 8:37:06
